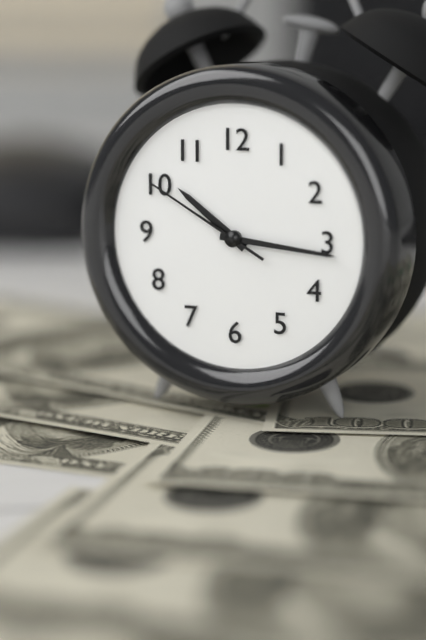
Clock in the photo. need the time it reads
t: 10:16:50
